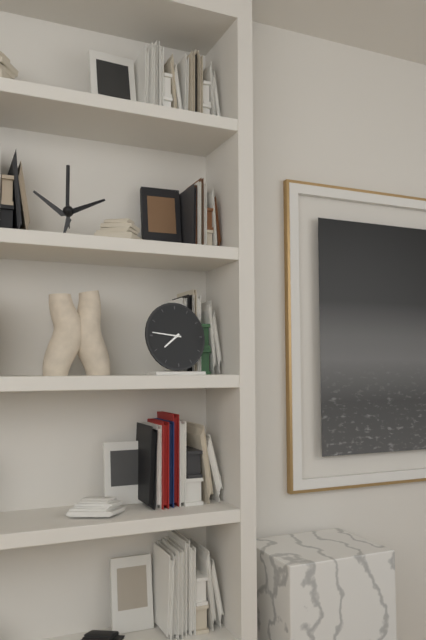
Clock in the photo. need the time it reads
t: 7:46
